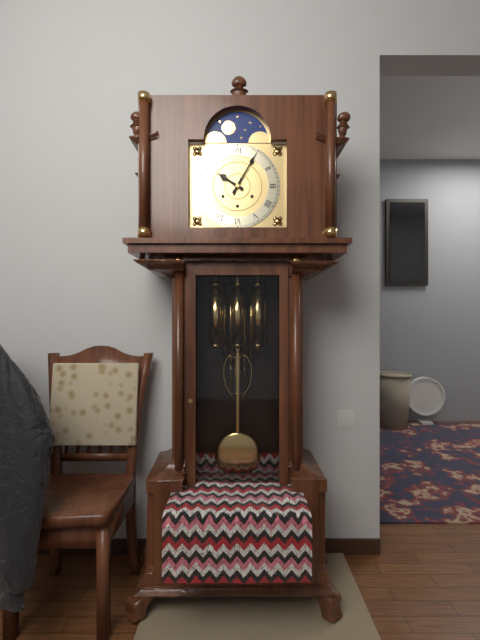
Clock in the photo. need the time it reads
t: 10:05
